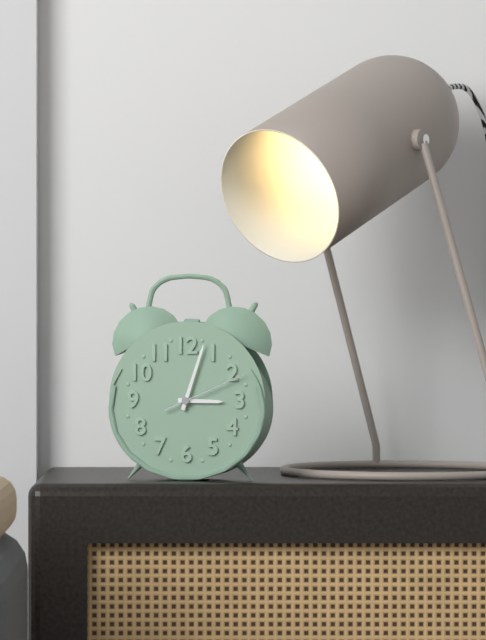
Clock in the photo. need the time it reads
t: 3:03:11
